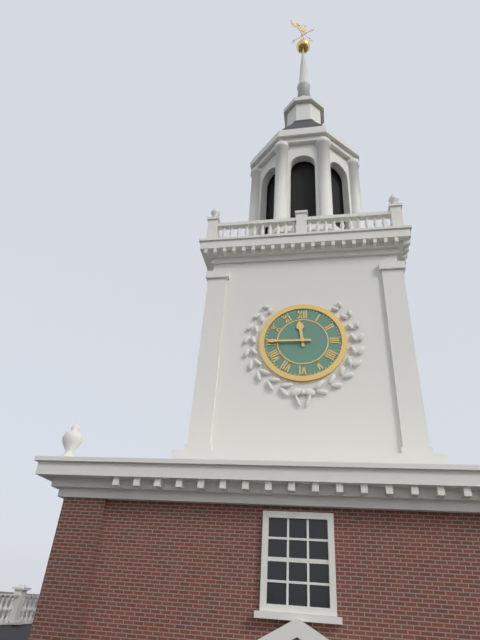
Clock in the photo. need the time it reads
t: 11:45
